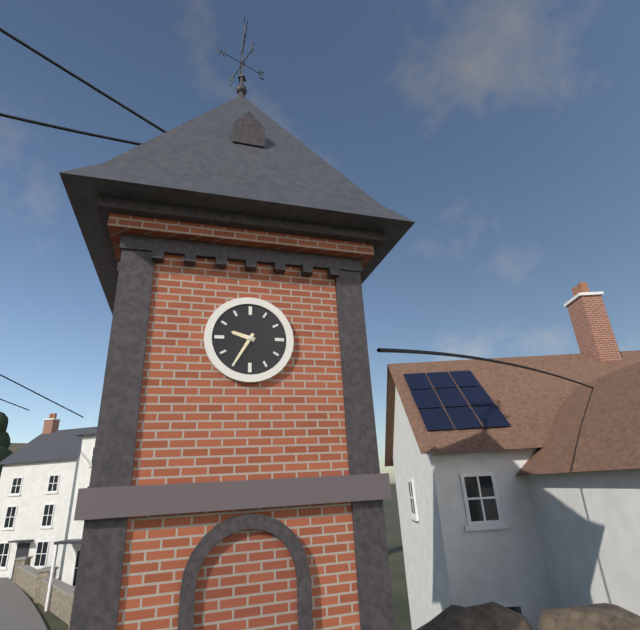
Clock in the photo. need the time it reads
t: 9:35
